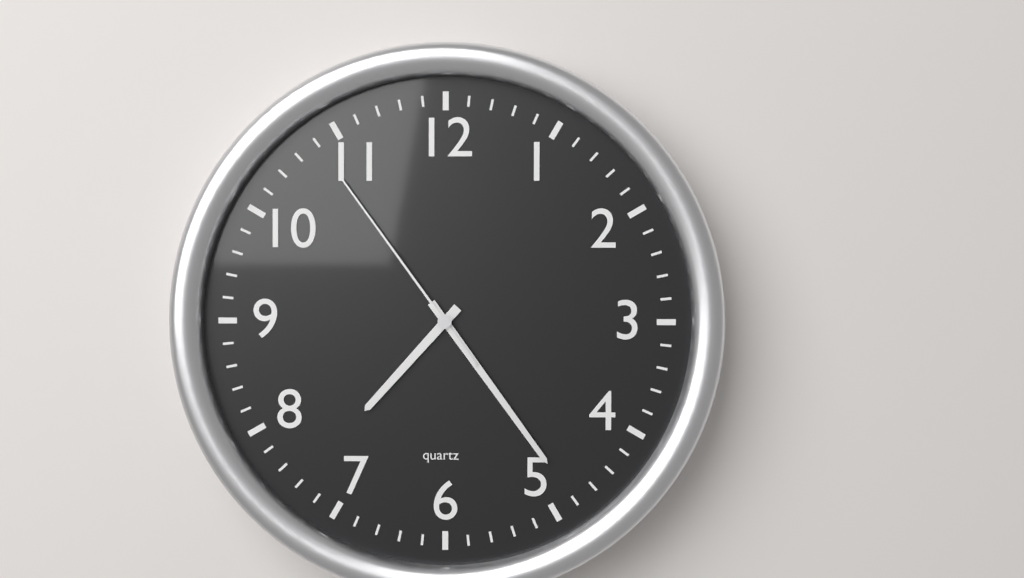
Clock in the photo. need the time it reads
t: 7:24:54
